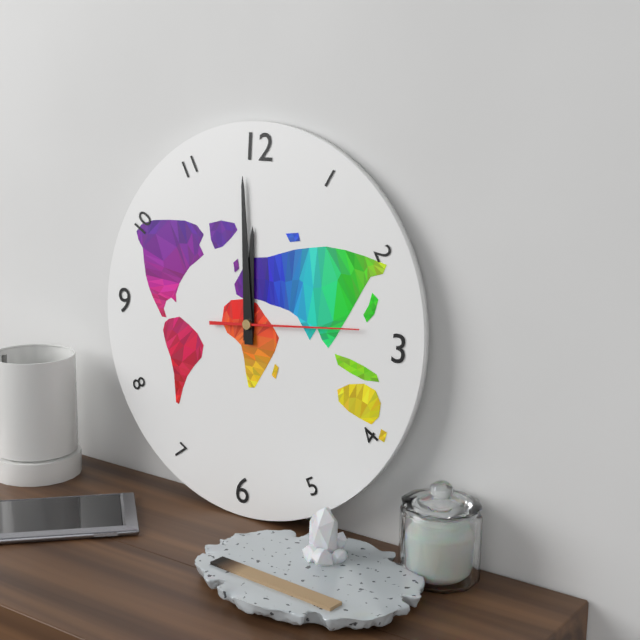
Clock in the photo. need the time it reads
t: 11:59:14
